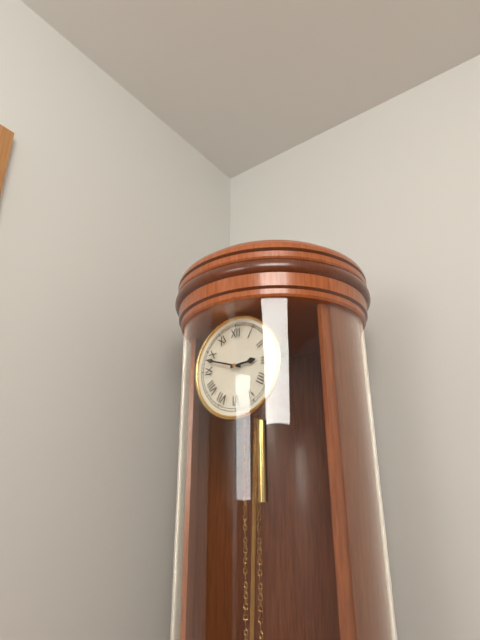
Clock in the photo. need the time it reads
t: 2:48
